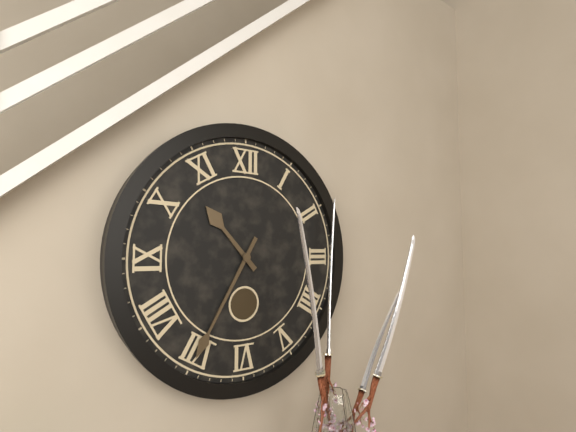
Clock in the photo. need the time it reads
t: 10:35
